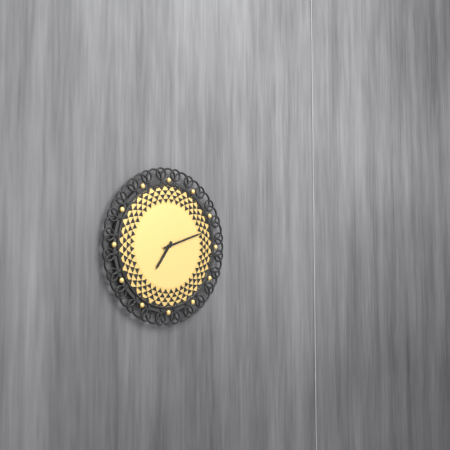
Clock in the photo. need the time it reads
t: 7:12
